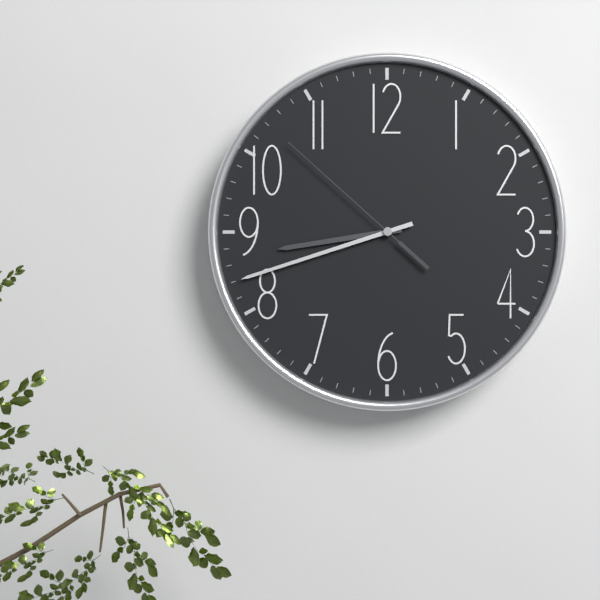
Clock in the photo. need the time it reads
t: 8:42:52
